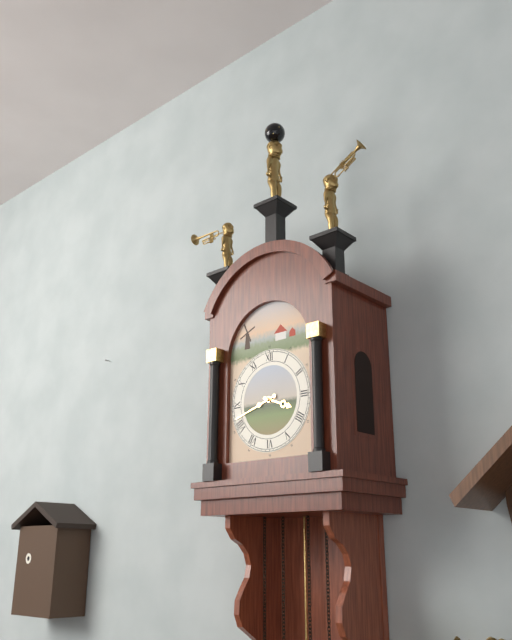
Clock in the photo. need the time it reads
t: 3:42
